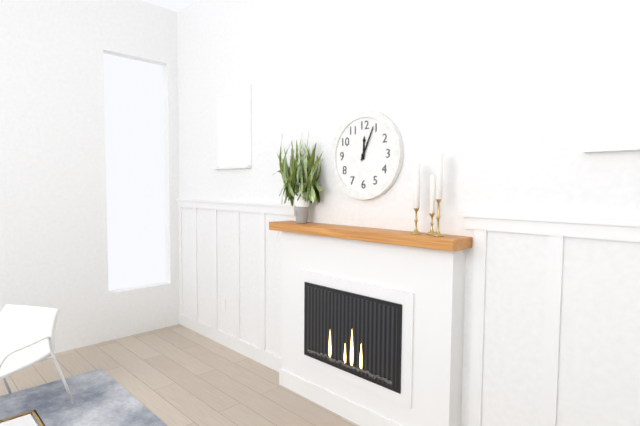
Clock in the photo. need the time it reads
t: 12:04
